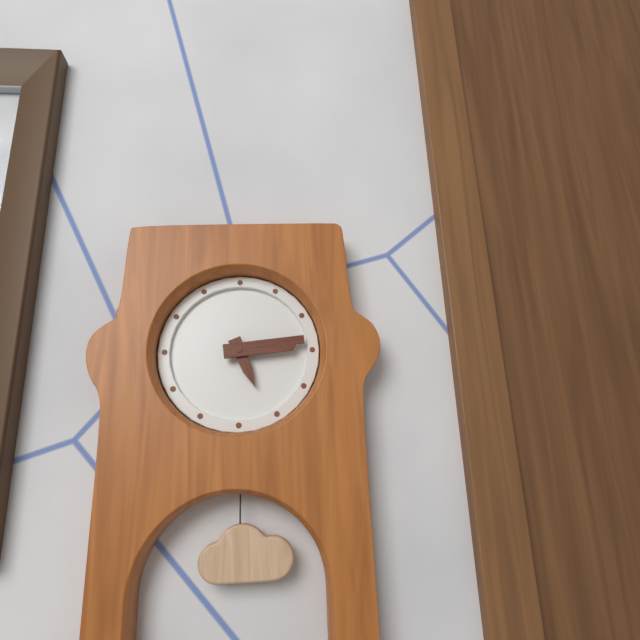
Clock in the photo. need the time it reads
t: 5:14
